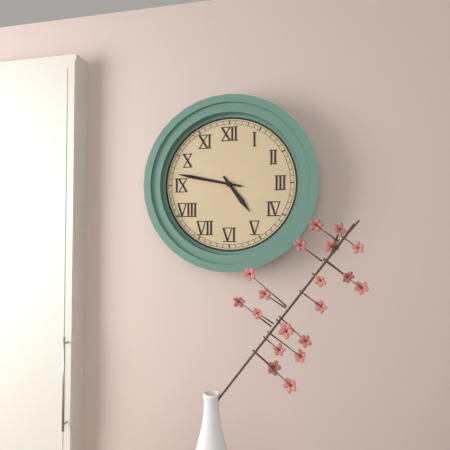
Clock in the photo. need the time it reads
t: 4:47
